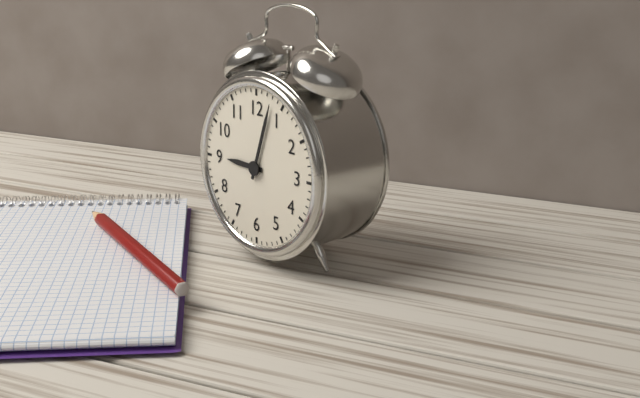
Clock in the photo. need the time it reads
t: 9:03
